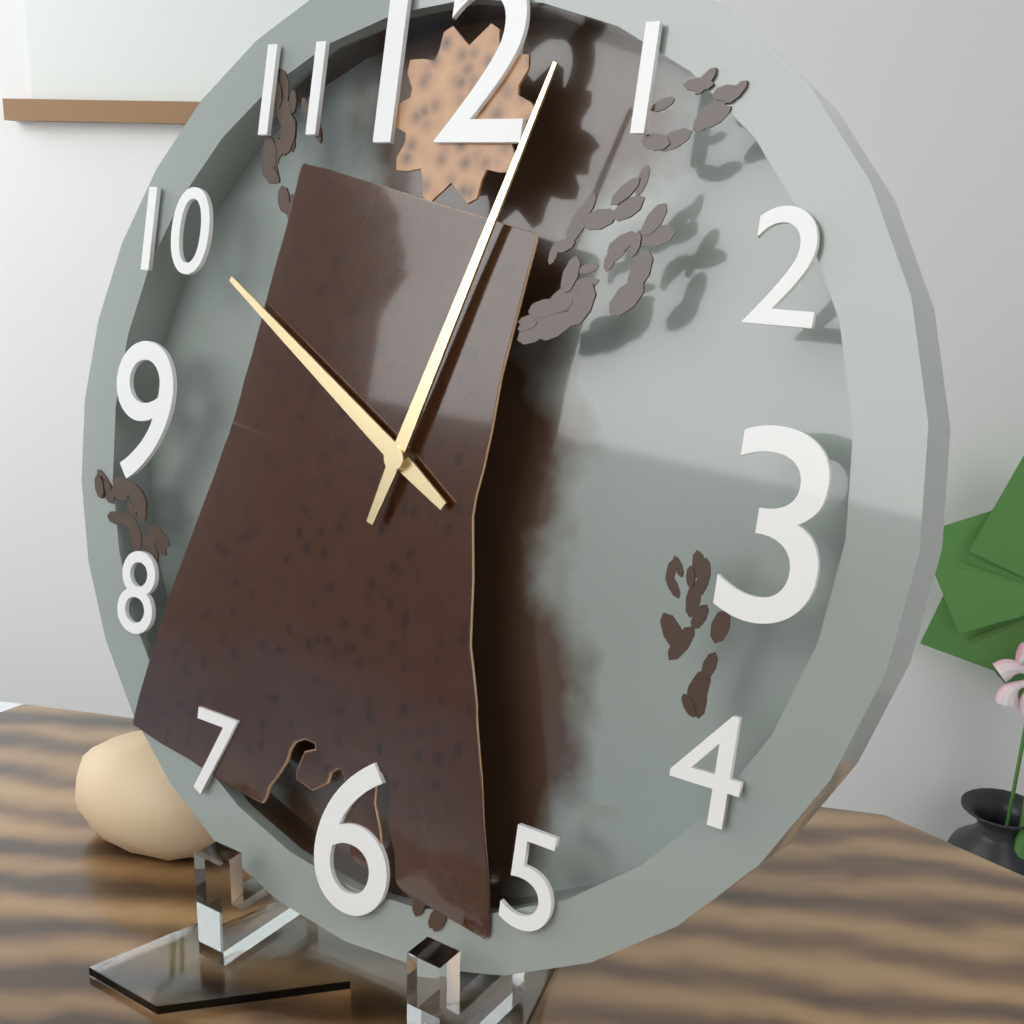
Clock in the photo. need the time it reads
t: 10:03
